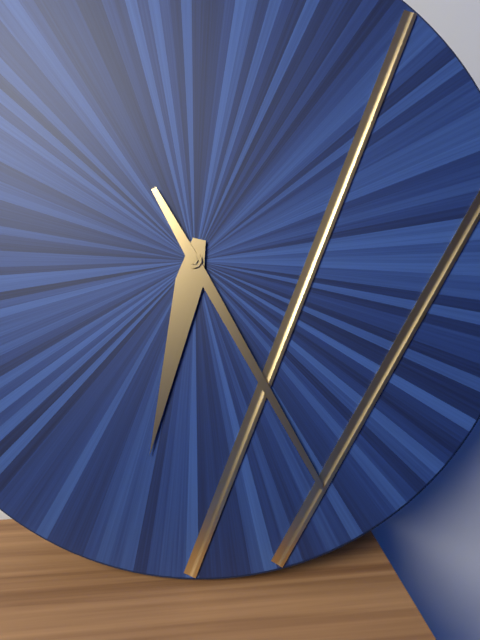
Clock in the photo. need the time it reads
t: 6:25
